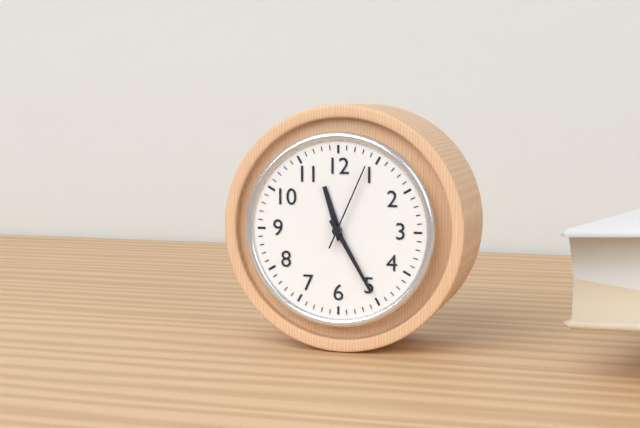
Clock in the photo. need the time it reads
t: 11:25:04
